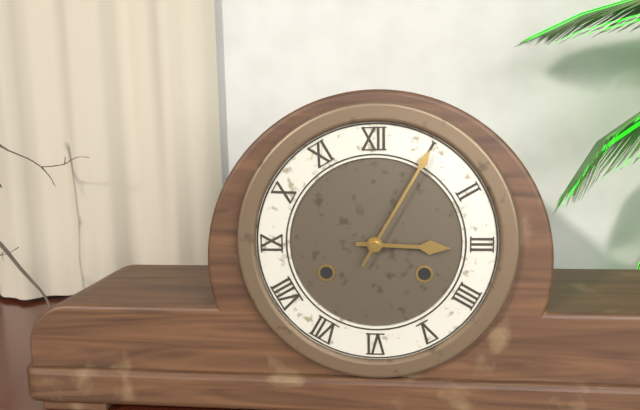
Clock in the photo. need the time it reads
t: 3:05
